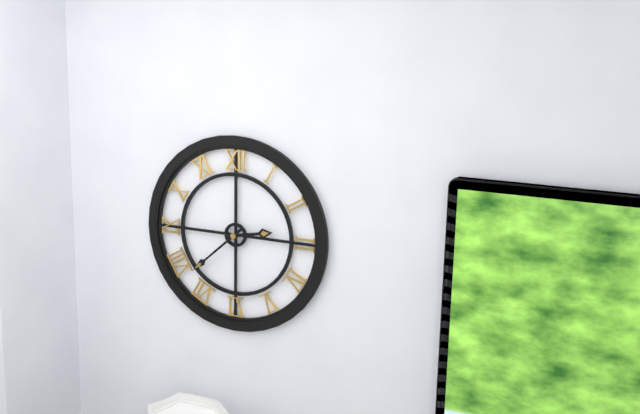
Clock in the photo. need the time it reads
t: 2:38
